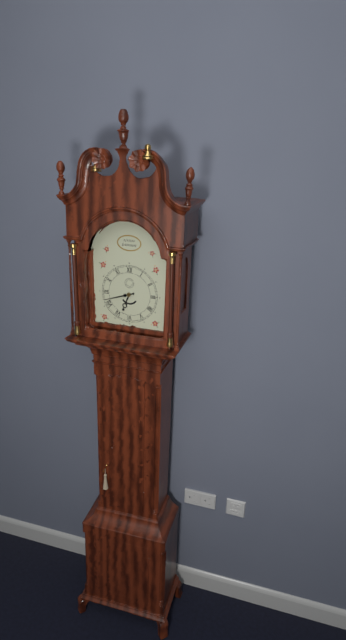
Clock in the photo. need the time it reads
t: 6:42
